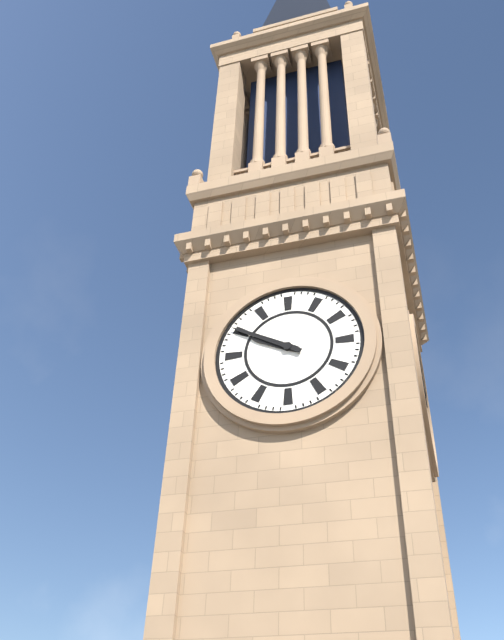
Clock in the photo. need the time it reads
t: 9:50
